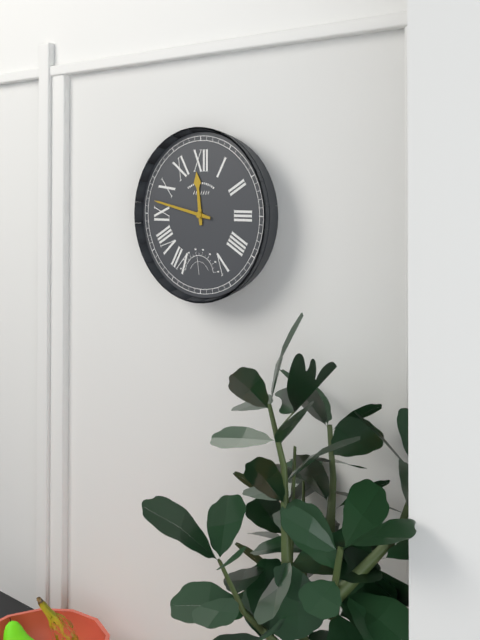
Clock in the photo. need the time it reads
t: 11:47
